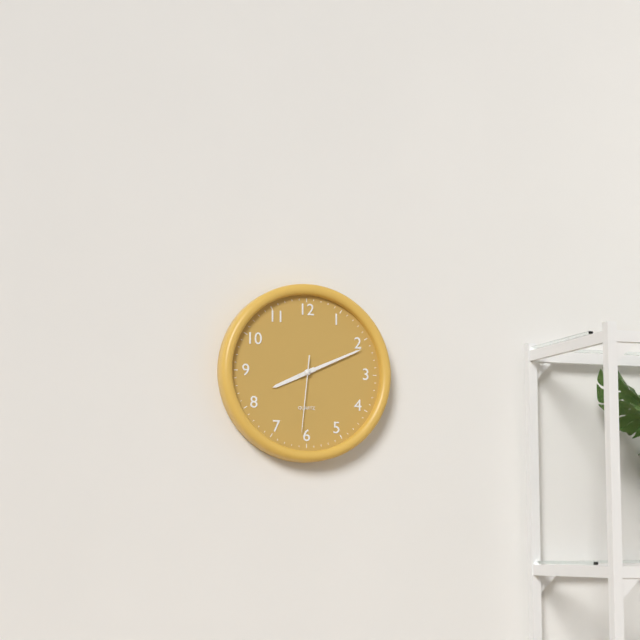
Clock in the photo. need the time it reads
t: 8:11:31
